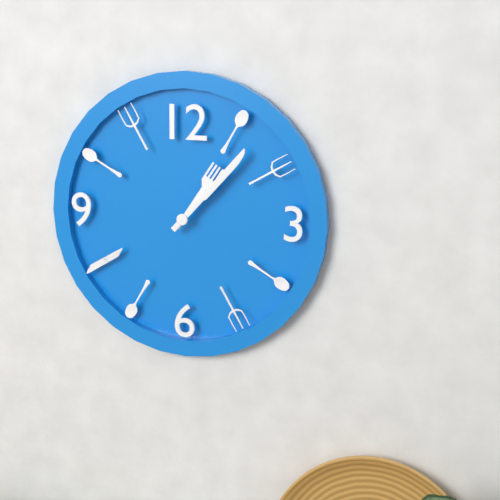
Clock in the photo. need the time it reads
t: 1:07
